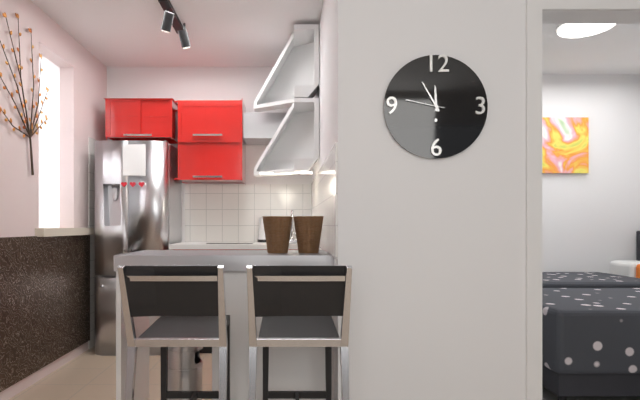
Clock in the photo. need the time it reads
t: 11:55
